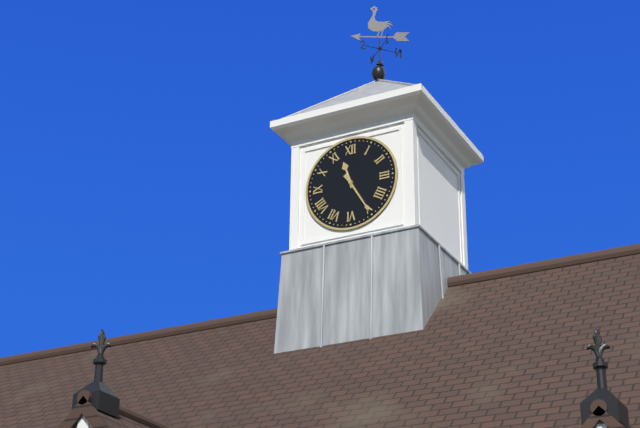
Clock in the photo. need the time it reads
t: 11:25
